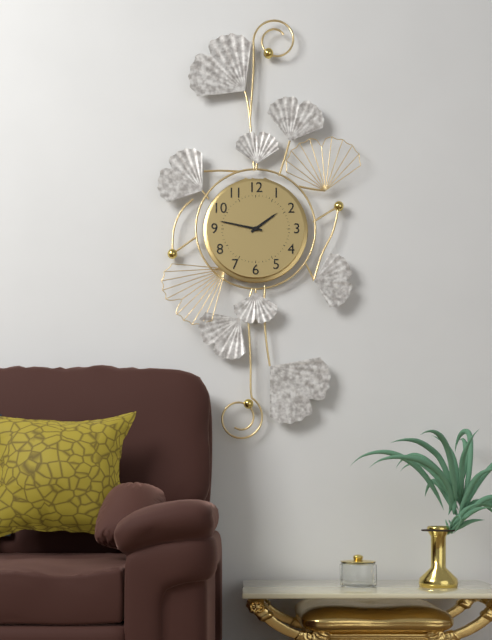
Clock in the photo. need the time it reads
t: 1:47
